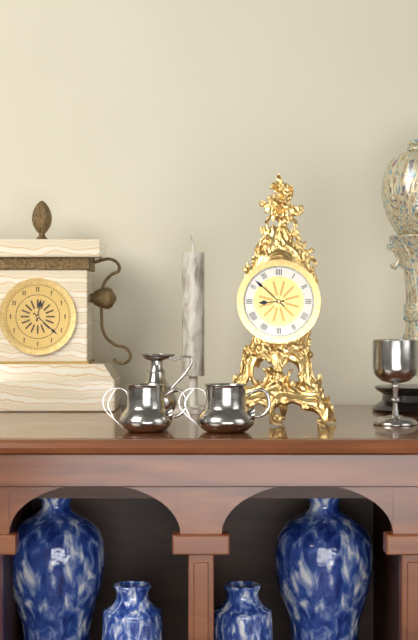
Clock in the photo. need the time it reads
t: 8:52
